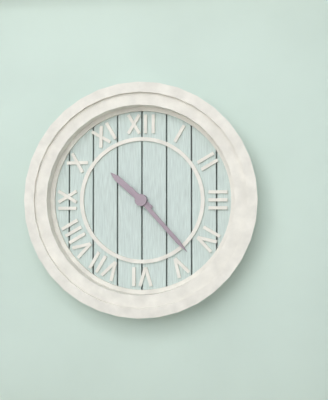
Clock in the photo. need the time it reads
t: 10:23
